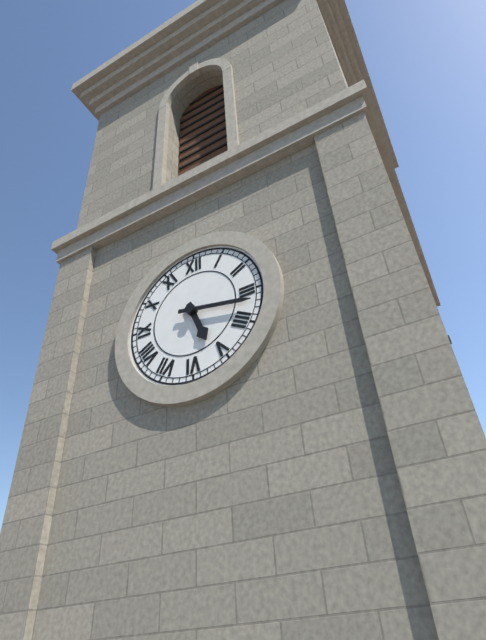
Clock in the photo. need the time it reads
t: 5:17
